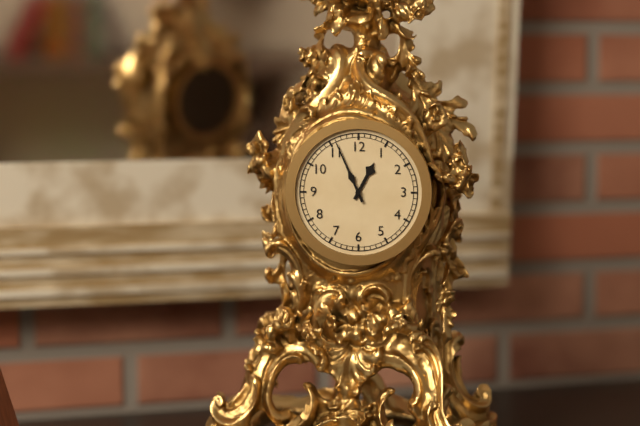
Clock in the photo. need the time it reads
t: 12:56
